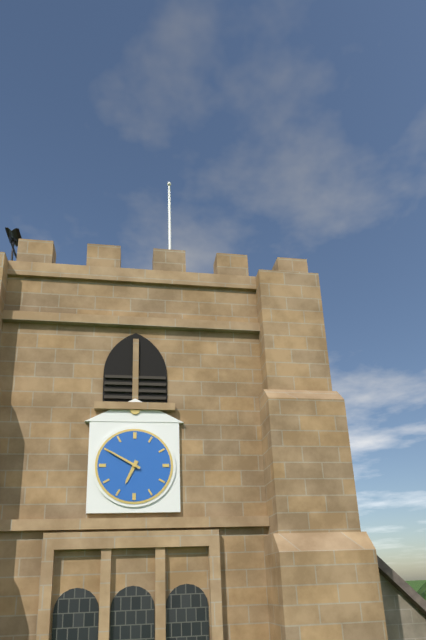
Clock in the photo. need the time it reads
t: 6:50
